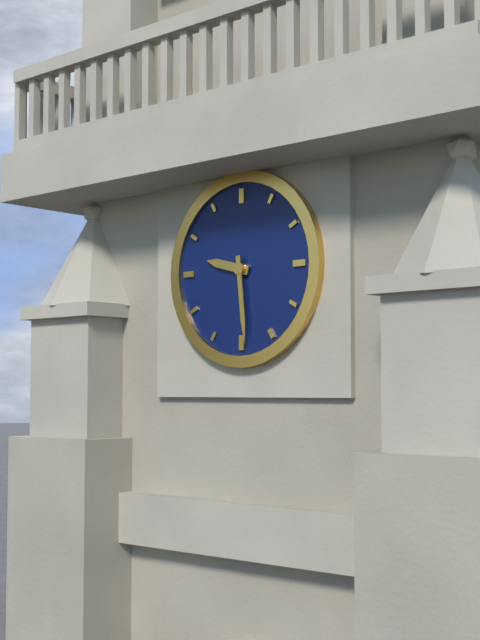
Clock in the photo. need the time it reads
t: 9:29
